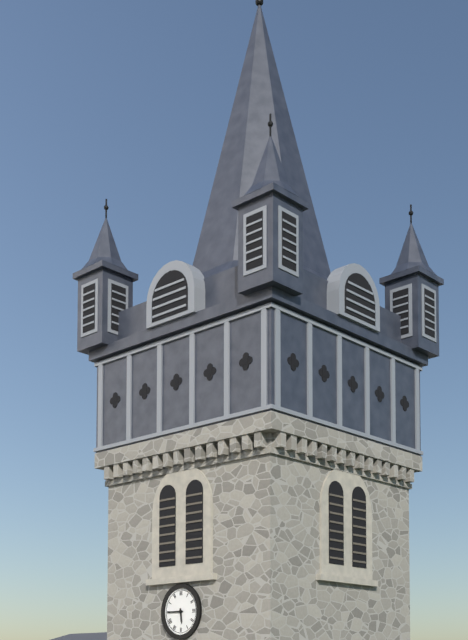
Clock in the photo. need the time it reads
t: 5:45
